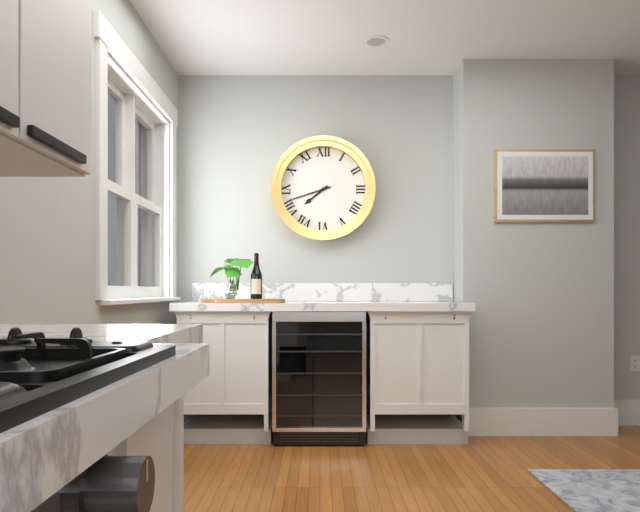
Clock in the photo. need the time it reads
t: 7:42
